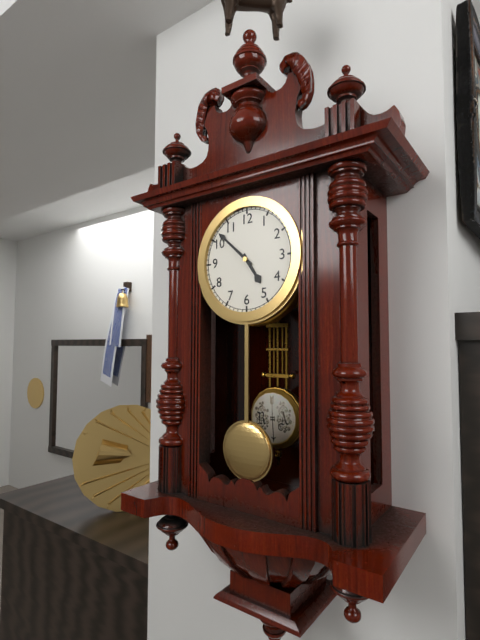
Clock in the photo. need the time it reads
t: 4:52
